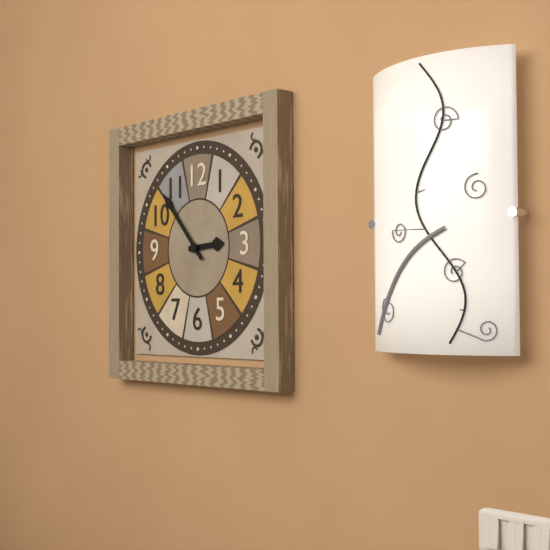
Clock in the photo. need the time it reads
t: 2:53
